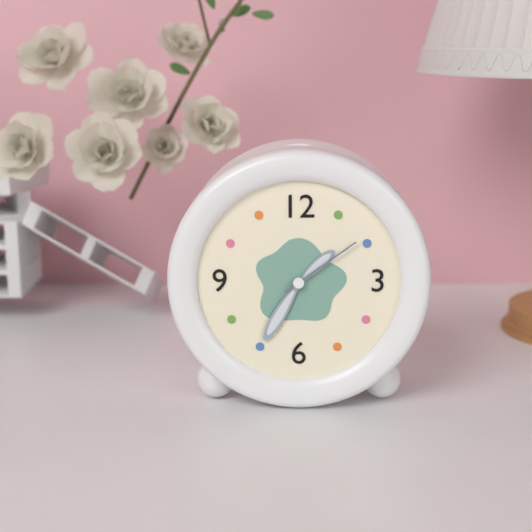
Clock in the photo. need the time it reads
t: 1:35:09
